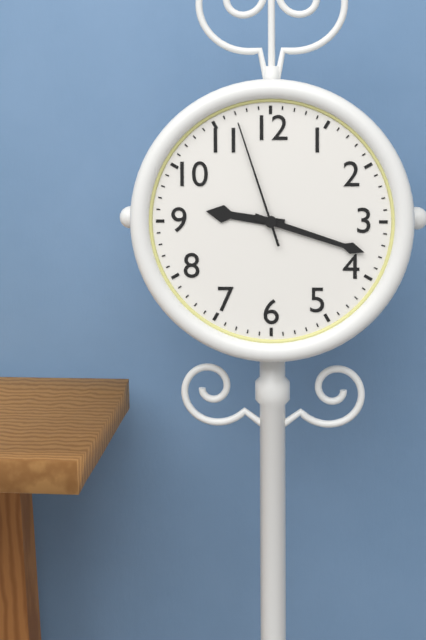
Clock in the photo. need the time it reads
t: 9:18:57
